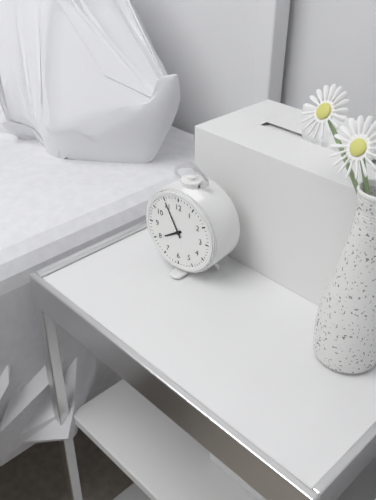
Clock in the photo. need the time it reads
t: 7:55
